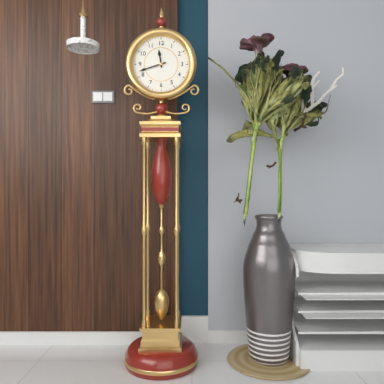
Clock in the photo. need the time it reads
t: 11:42
